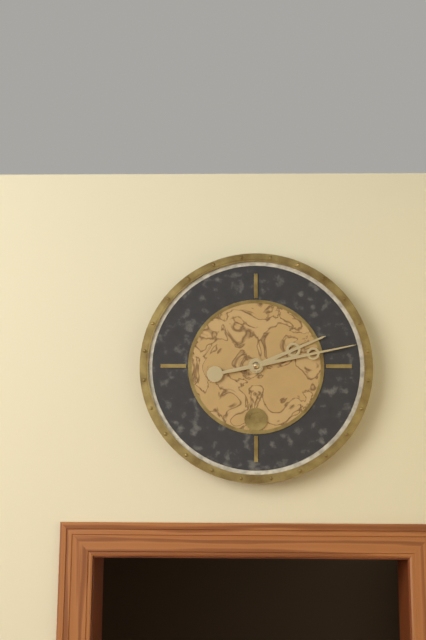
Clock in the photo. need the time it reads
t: 2:13
